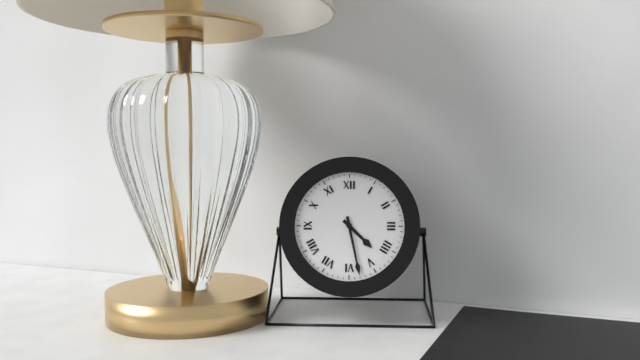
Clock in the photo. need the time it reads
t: 4:28
